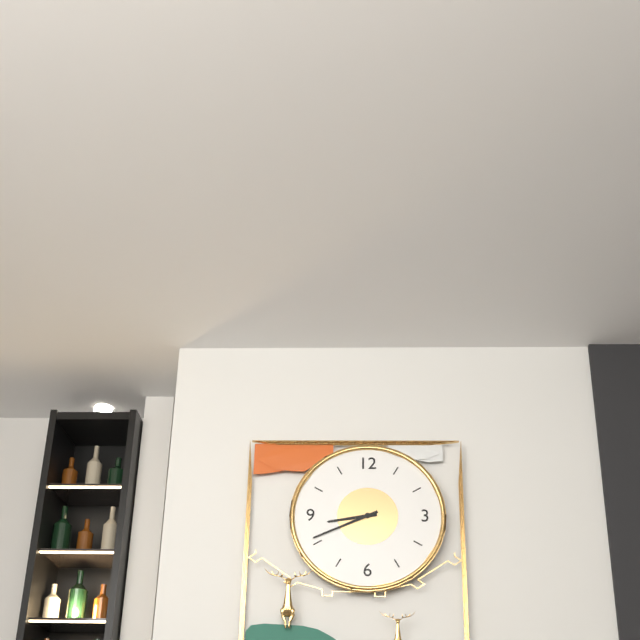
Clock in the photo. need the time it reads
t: 8:41
